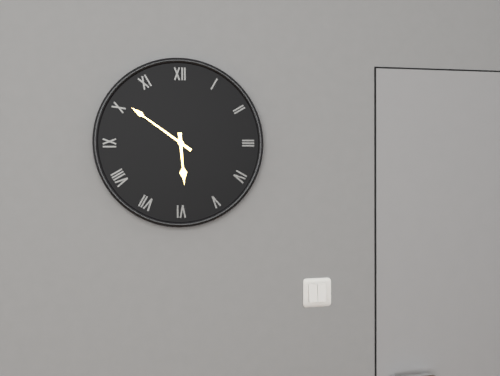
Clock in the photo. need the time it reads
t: 5:51
